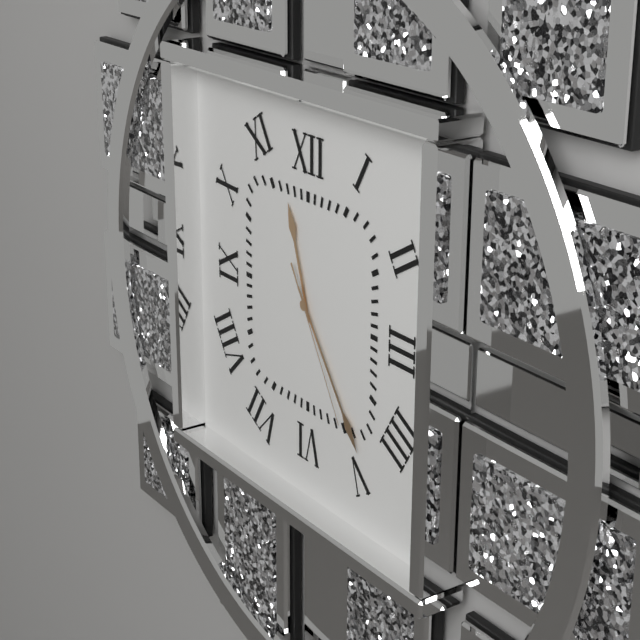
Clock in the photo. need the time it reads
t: 11:24:25
